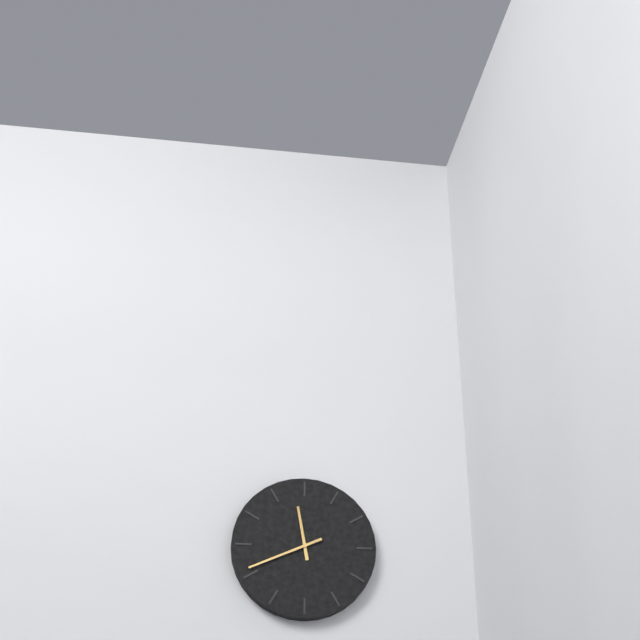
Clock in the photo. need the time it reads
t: 11:41
